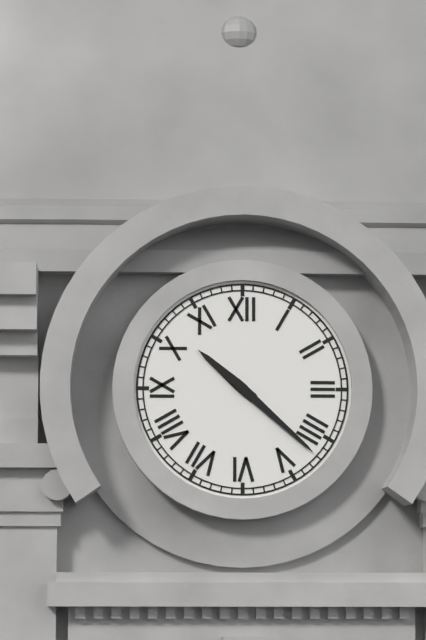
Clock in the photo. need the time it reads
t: 10:22
